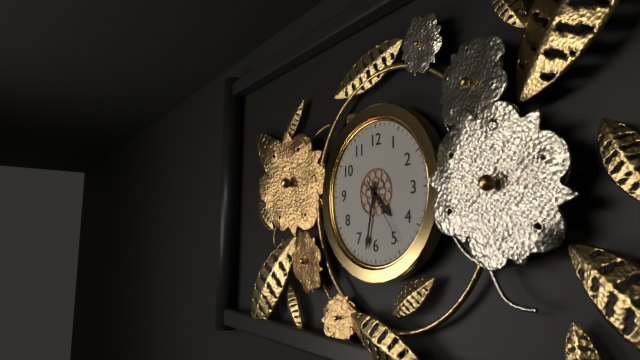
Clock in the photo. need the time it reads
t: 4:32:24
